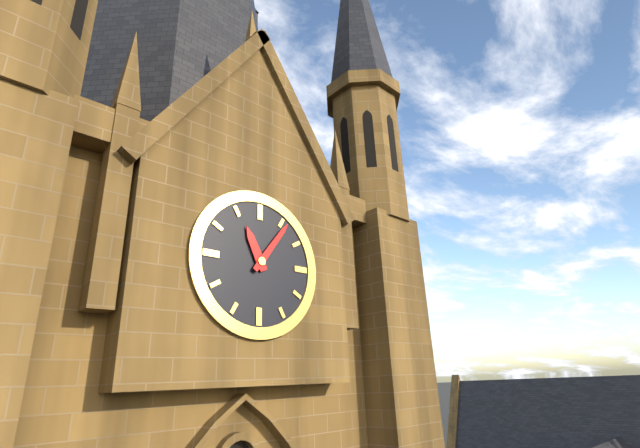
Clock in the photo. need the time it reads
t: 11:06
